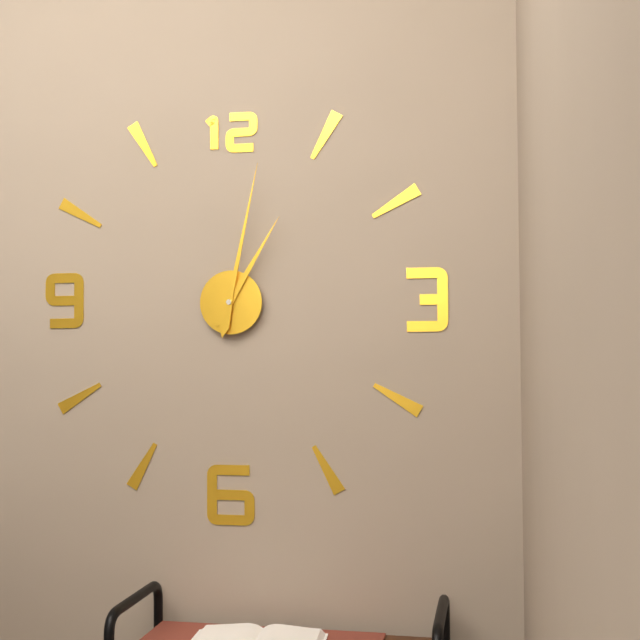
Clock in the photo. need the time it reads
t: 1:02
